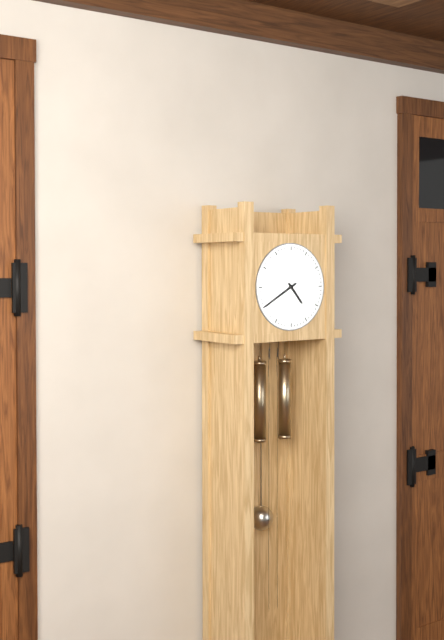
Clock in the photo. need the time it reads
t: 4:40
